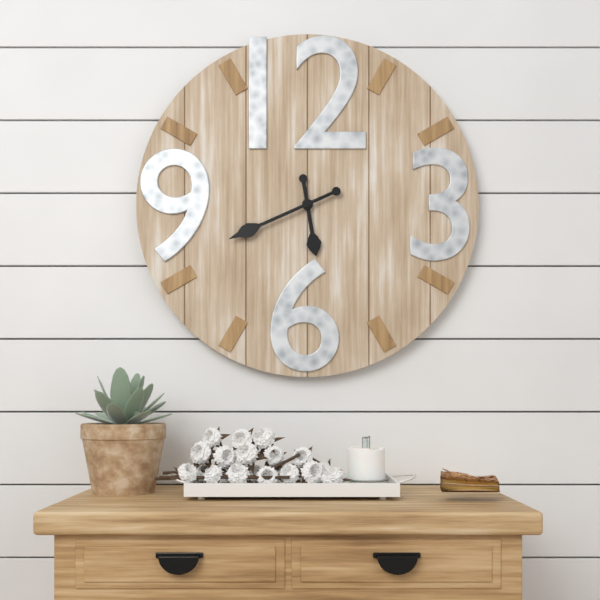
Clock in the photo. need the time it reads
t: 5:41
